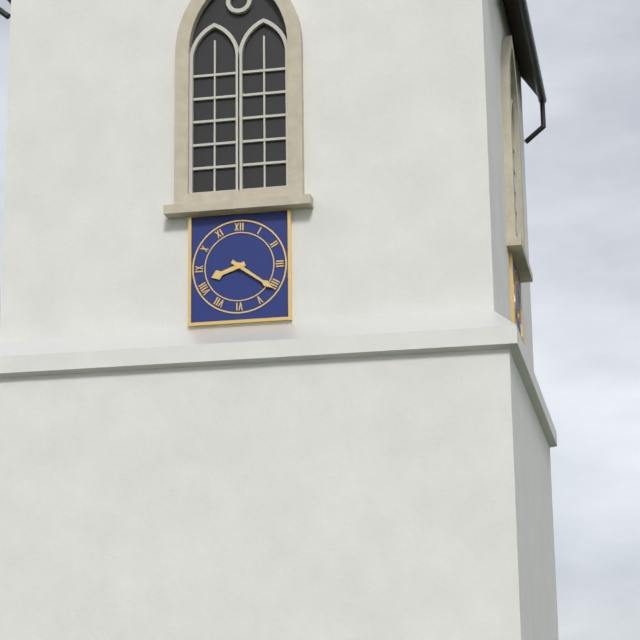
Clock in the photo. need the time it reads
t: 8:21
